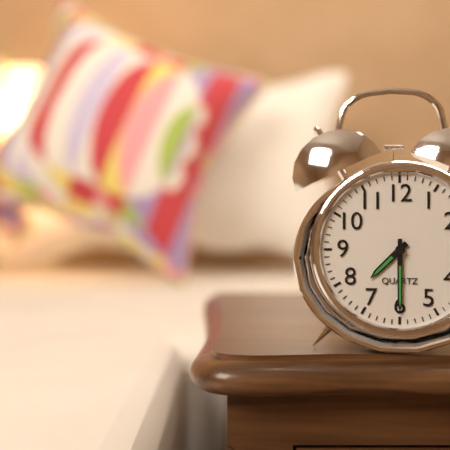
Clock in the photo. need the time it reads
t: 7:30
